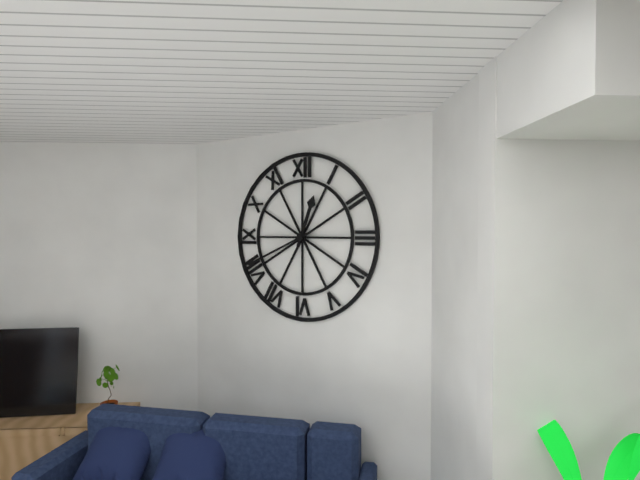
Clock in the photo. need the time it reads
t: 12:41
